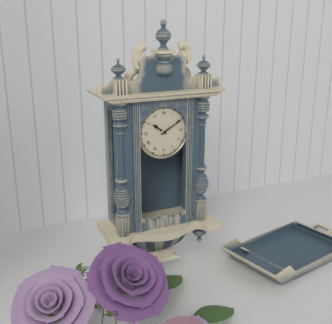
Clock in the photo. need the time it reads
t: 10:10
